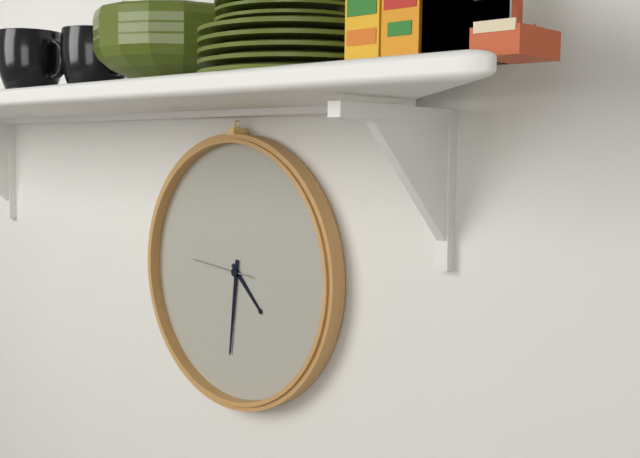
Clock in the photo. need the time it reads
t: 4:31:46
